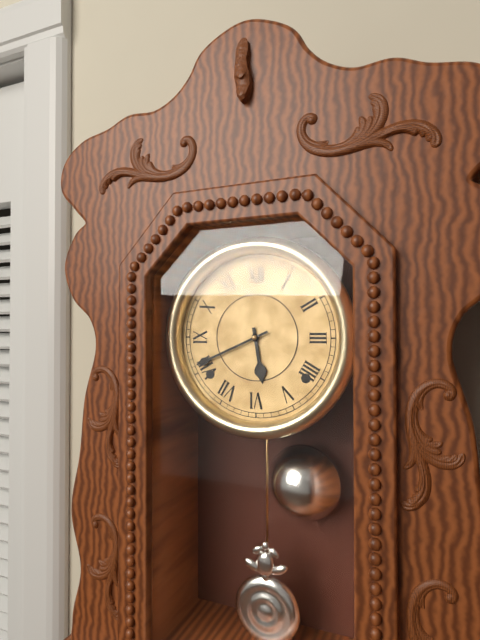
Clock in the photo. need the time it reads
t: 5:41
